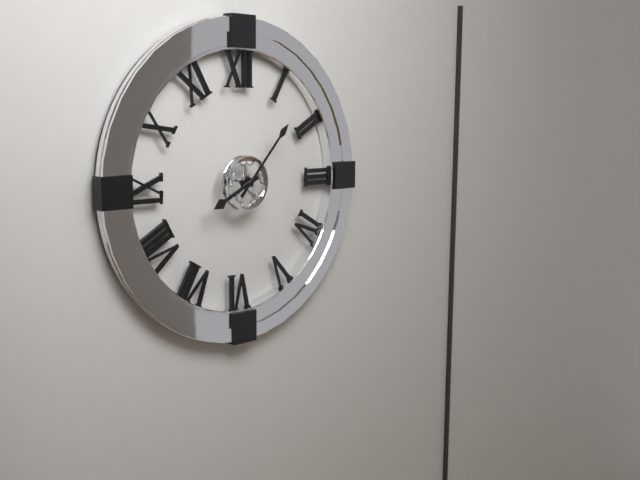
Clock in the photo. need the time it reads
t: 8:07
